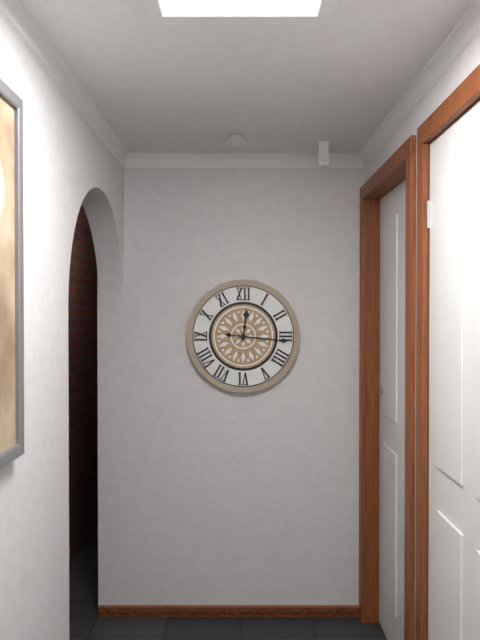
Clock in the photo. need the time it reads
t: 12:16
